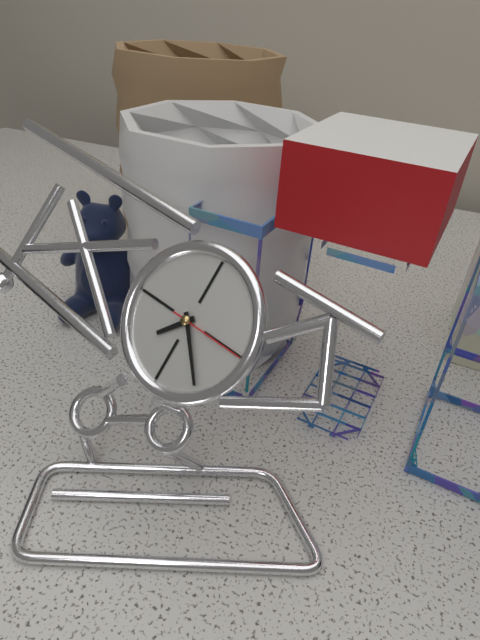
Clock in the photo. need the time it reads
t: 7:23:15
